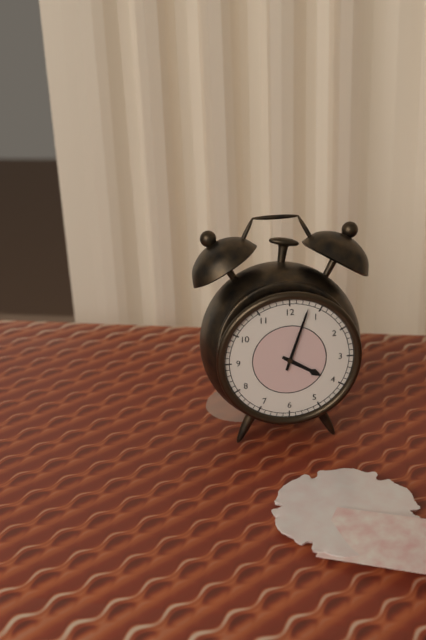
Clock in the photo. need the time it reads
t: 4:03
